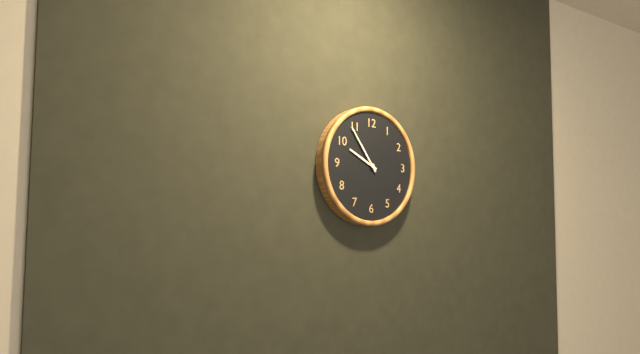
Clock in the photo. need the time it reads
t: 9:54
